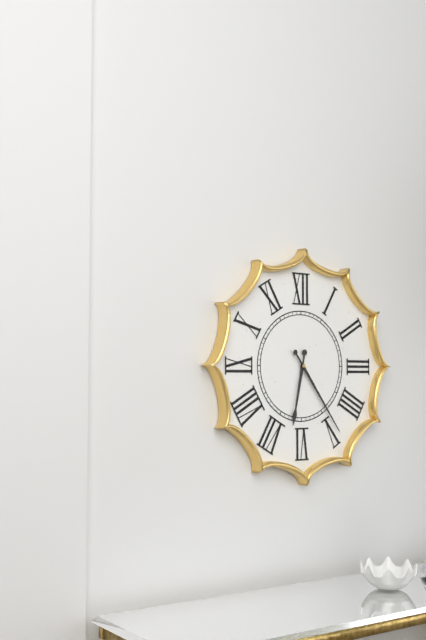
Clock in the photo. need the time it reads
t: 6:24
